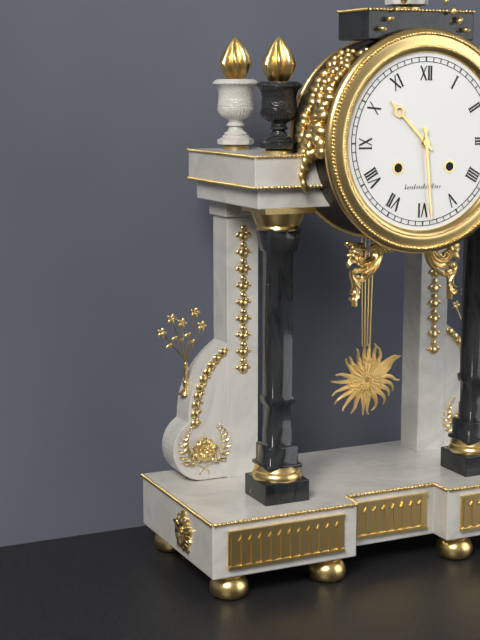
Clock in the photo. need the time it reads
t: 10:29
